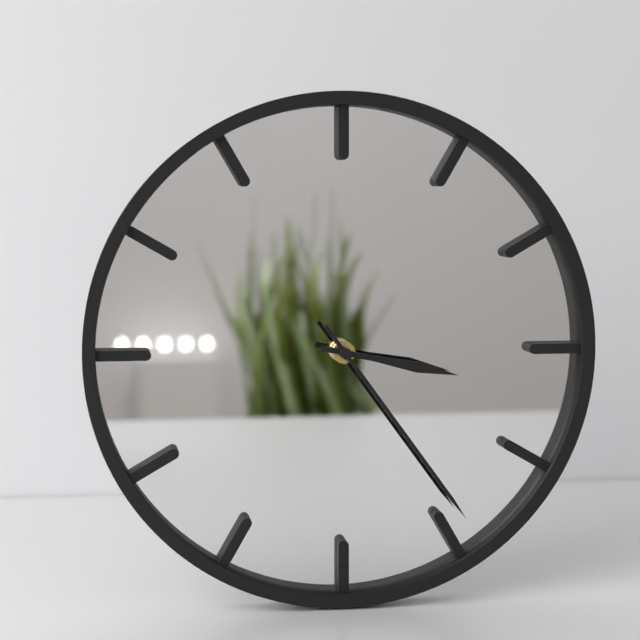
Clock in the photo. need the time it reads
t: 3:24
